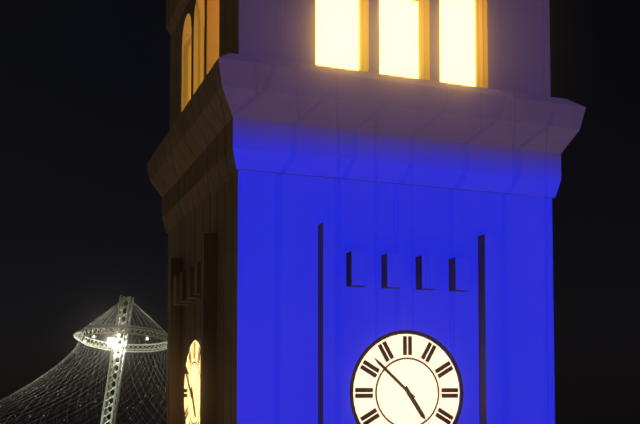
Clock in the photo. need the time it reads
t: 4:52
